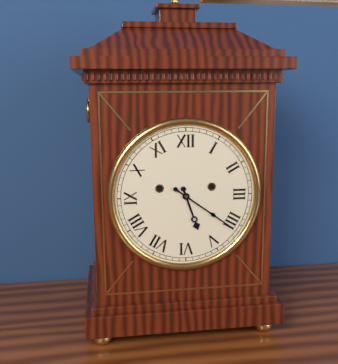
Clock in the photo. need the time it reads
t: 5:21
